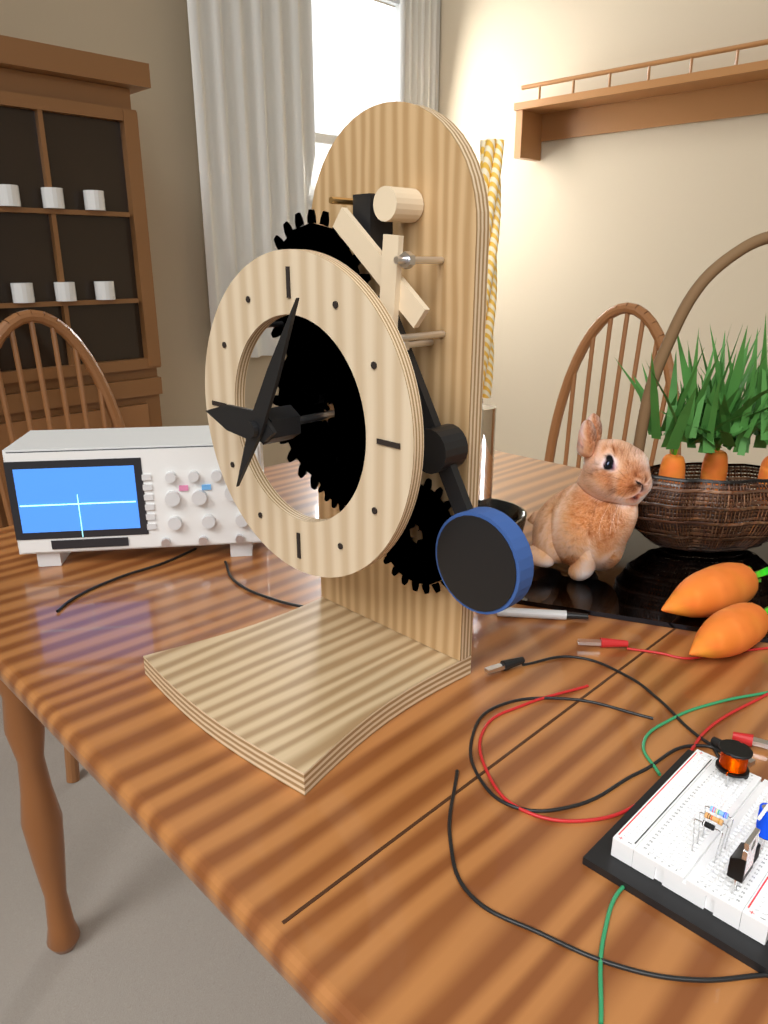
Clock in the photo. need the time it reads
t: 9:05
